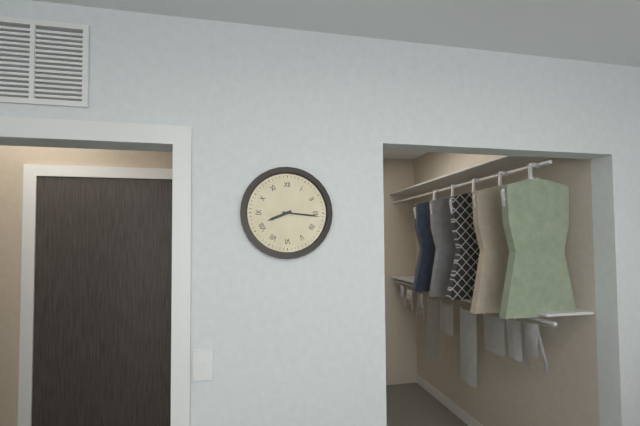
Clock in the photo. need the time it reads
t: 8:16
